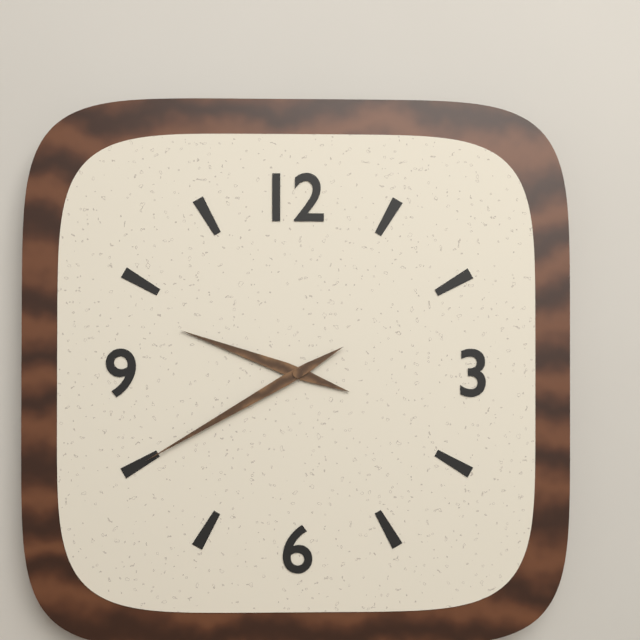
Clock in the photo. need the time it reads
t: 9:40
